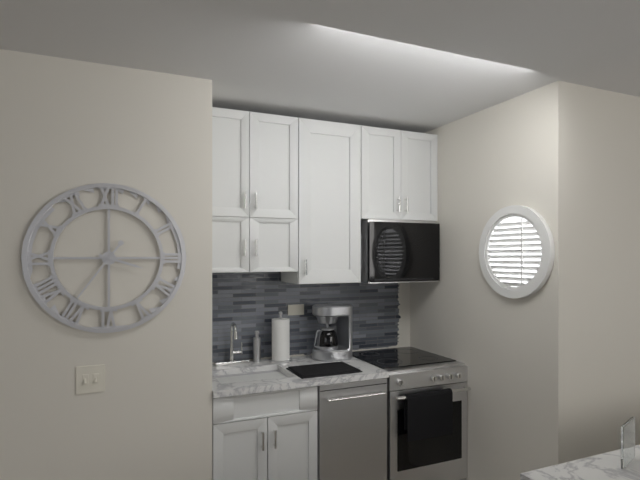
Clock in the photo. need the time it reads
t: 3:36
